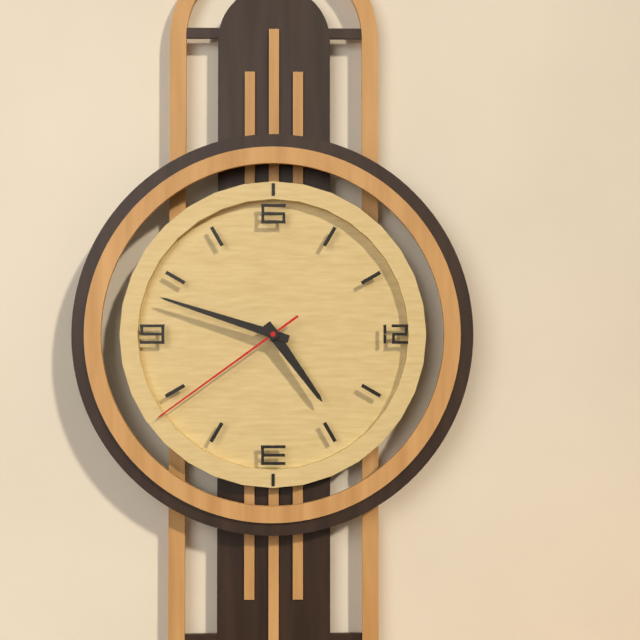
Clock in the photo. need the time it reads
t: 4:48:39
